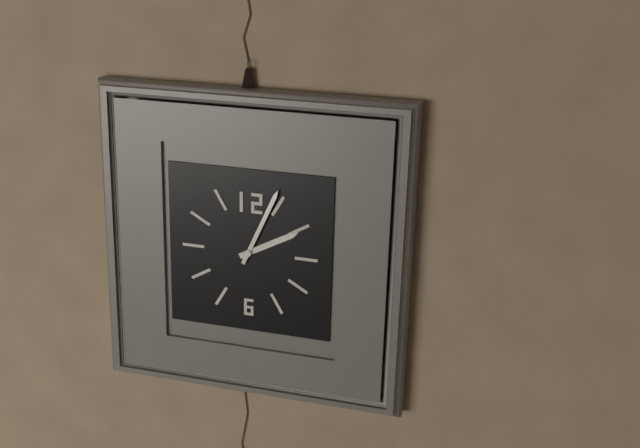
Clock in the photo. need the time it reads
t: 2:04
